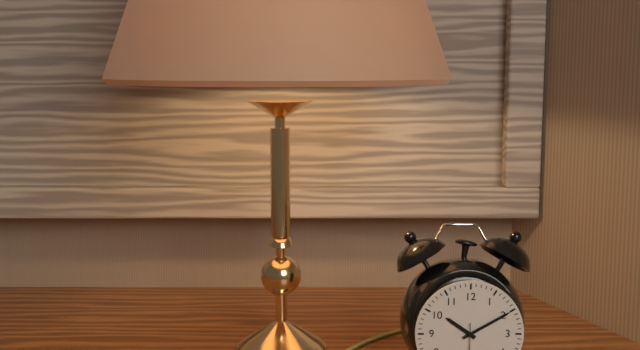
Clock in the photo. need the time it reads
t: 10:10
